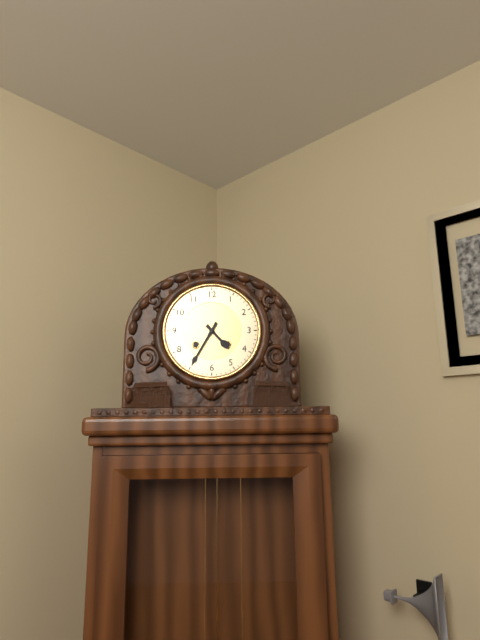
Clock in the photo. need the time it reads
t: 4:35
